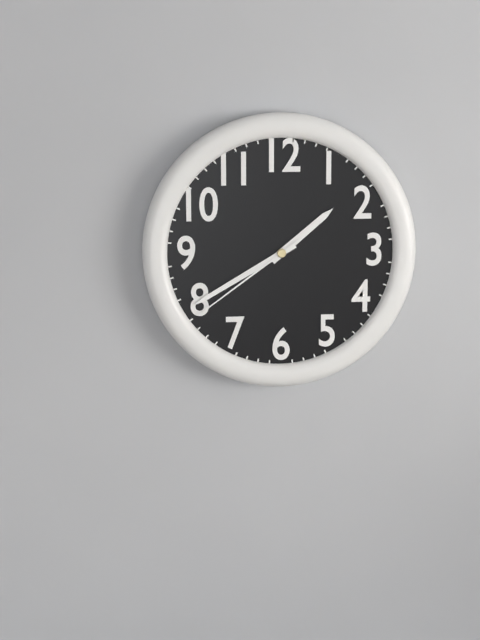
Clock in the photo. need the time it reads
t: 1:40:39
